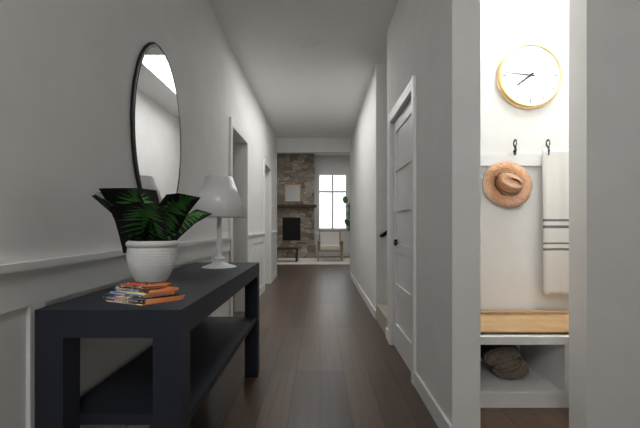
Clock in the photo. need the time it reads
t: 7:46
